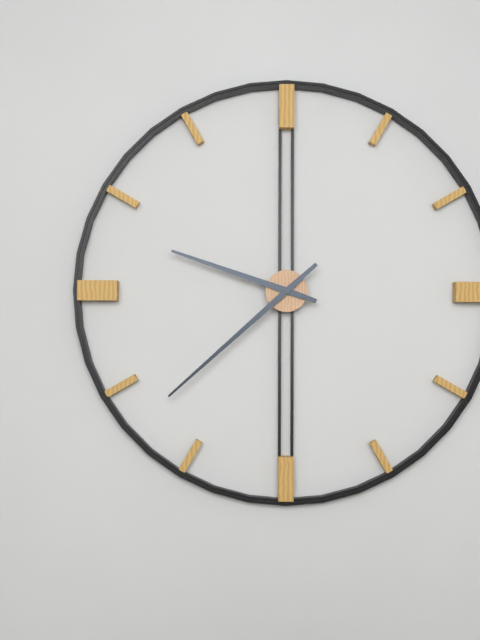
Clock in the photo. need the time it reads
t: 9:38
